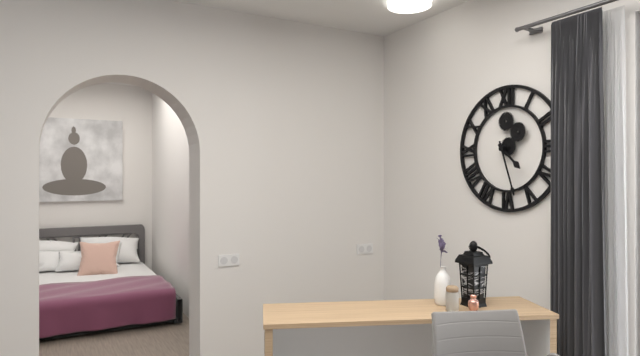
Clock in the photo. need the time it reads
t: 4:27
